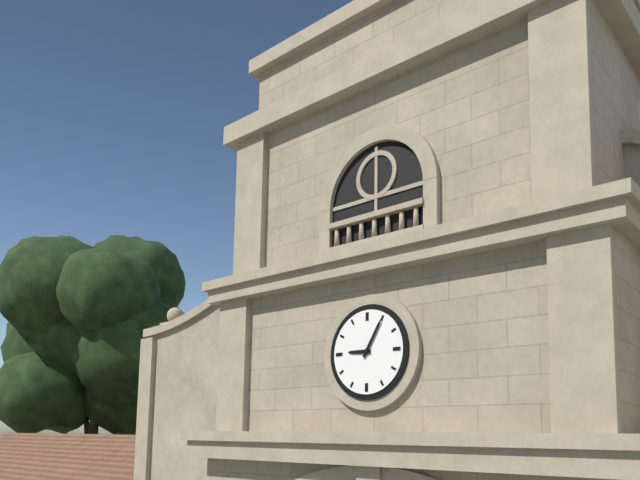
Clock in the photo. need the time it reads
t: 9:05
